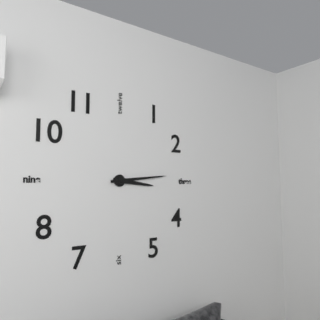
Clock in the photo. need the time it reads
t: 3:14
